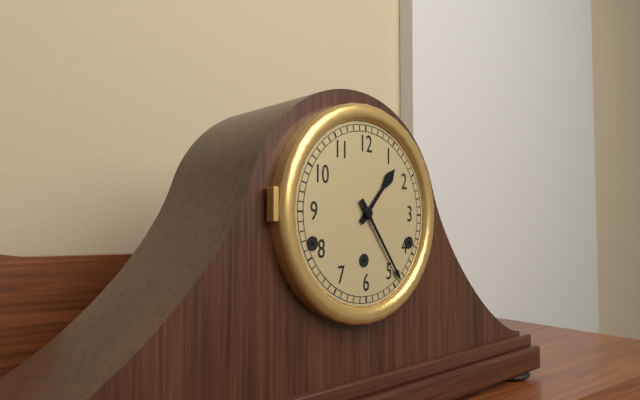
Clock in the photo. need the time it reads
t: 1:24
